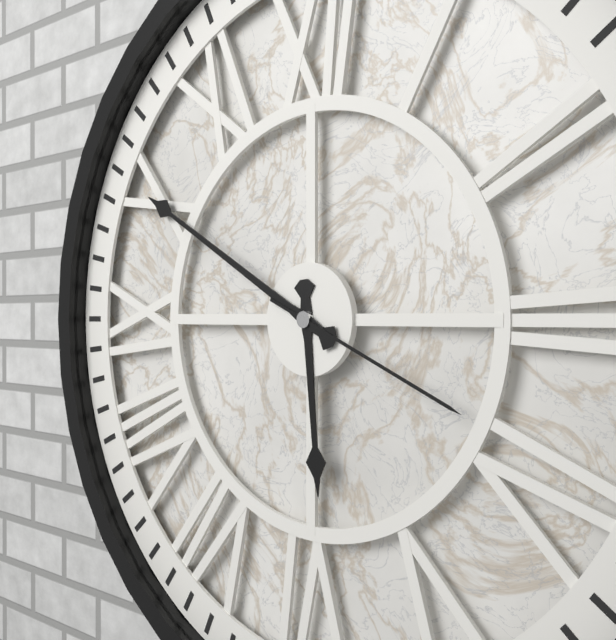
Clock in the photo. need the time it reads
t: 5:50:19
